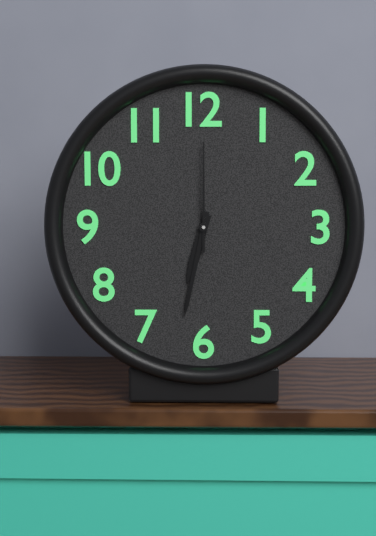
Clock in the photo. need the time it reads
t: 6:32:00
